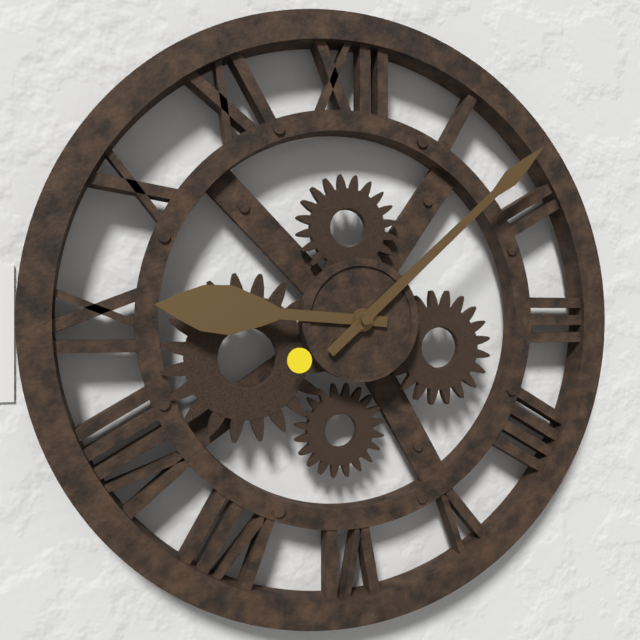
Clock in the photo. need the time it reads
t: 9:08
